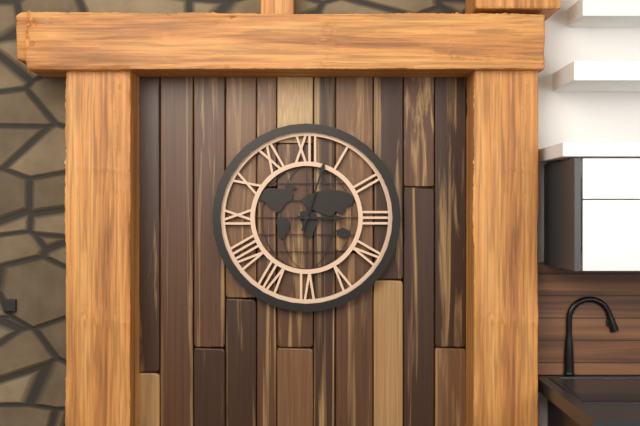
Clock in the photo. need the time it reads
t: 3:03
